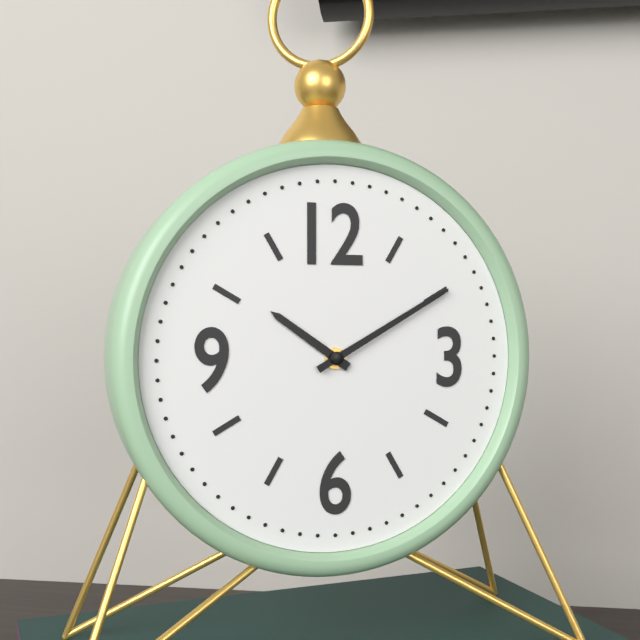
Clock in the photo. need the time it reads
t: 10:10
